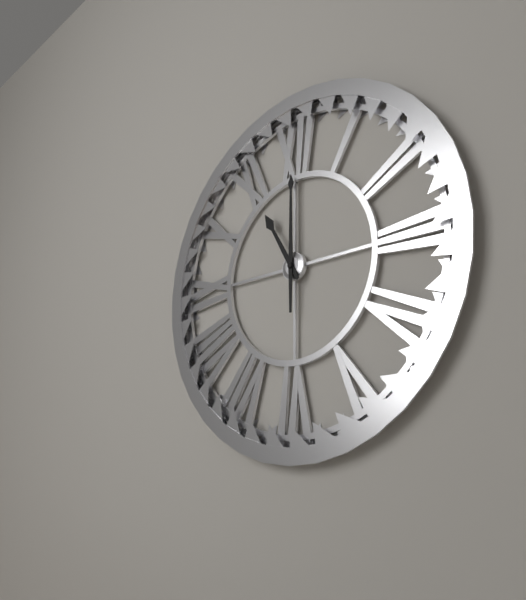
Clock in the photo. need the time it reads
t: 11:00
